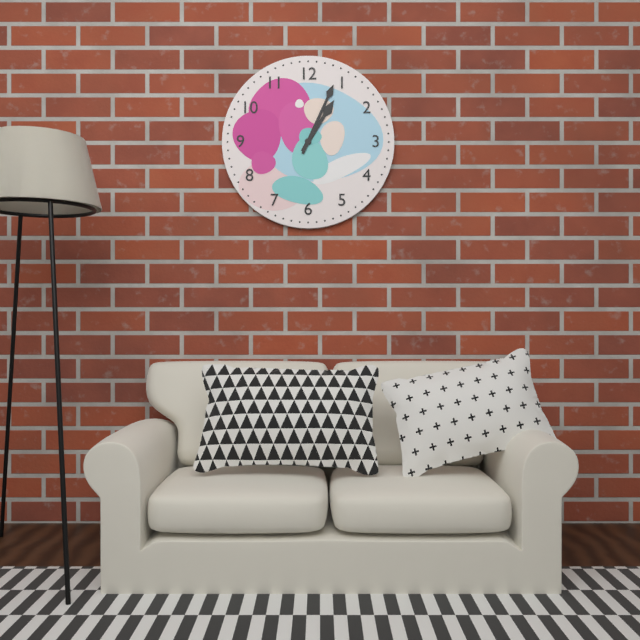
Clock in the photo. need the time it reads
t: 1:04
